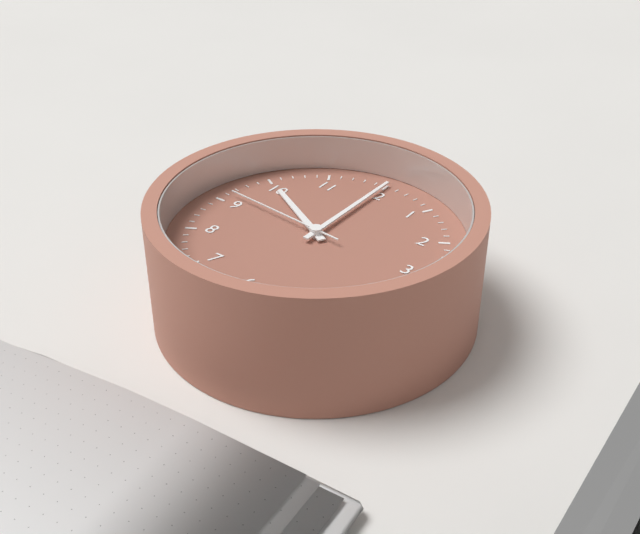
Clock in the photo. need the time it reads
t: 10:00:46
